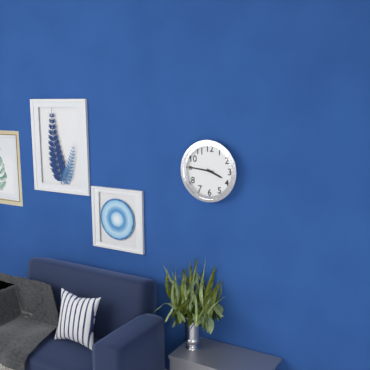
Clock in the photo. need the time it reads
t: 3:46
